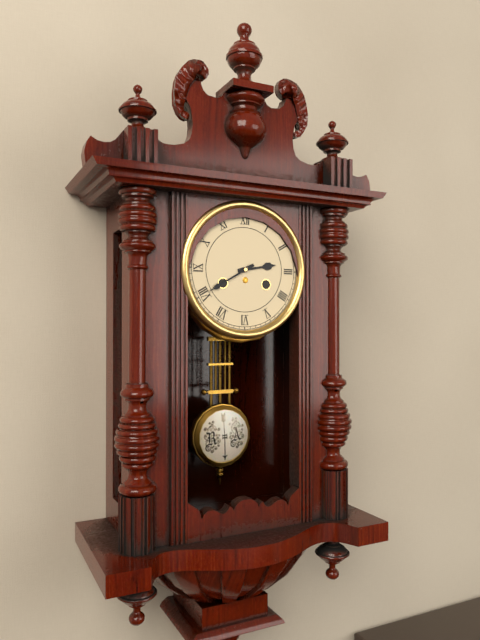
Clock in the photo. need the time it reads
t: 2:40
